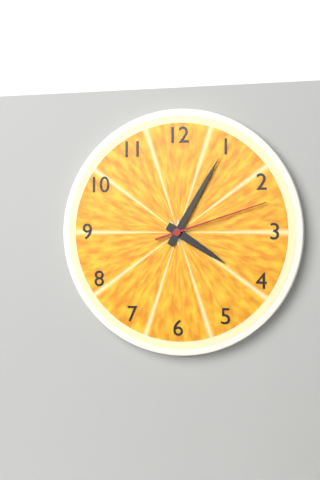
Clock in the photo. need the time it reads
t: 4:05:12
